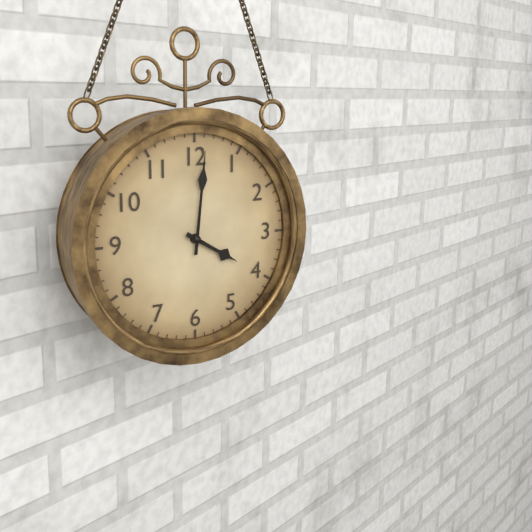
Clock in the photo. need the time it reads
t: 4:01
